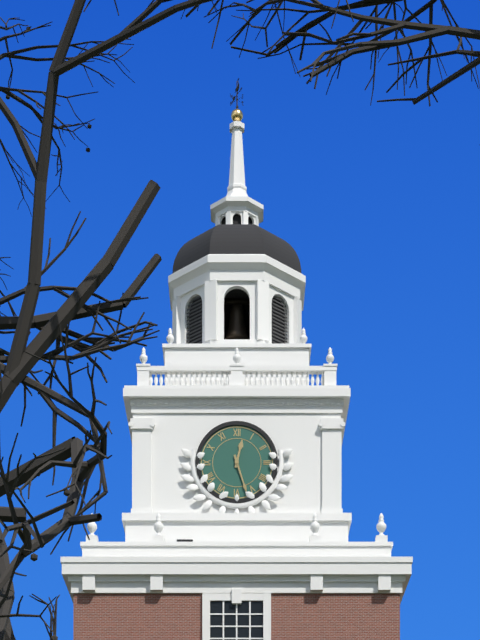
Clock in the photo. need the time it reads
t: 12:27
